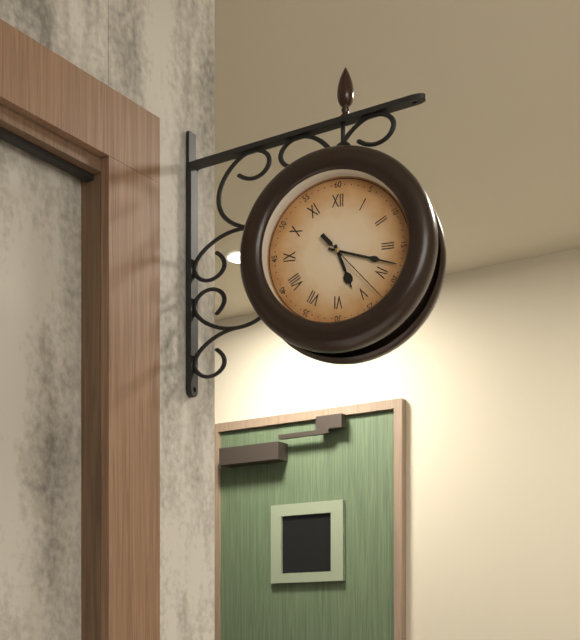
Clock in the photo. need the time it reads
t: 5:18:23
